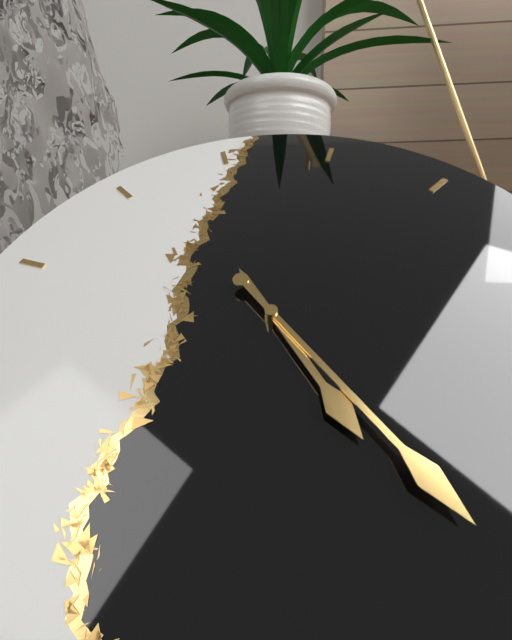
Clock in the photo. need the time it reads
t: 5:26
